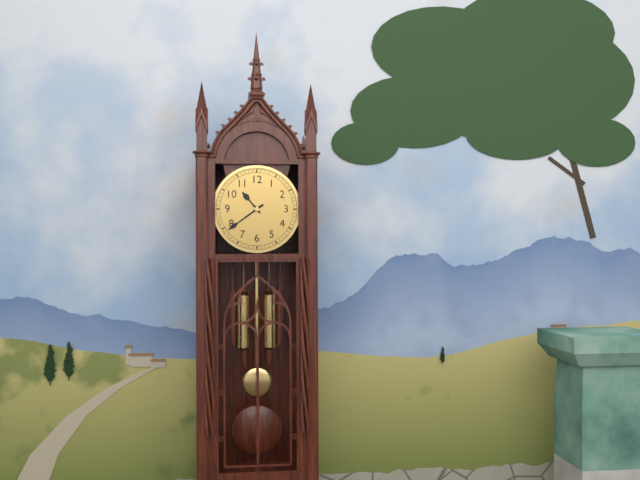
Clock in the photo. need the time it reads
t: 10:39
